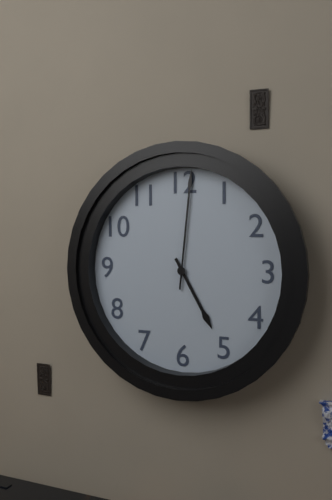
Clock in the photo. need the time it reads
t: 5:01
